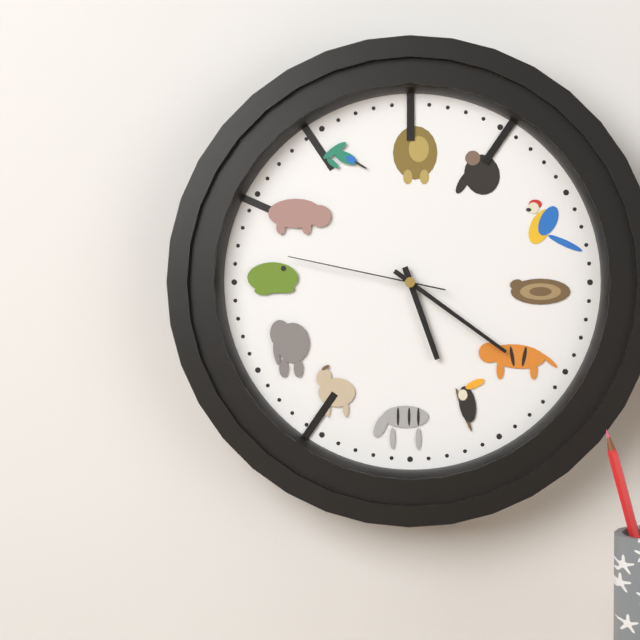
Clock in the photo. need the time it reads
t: 5:21:47
